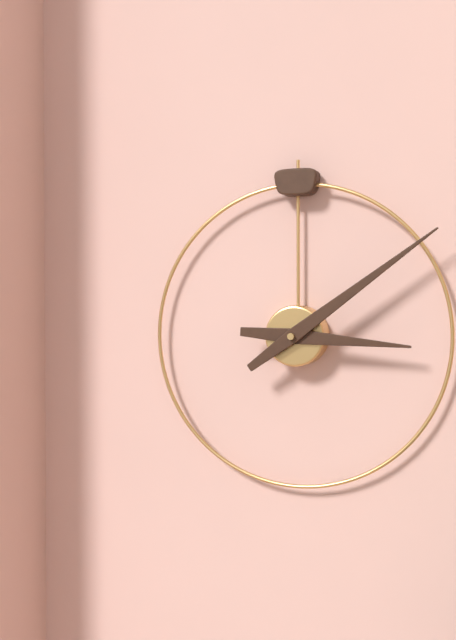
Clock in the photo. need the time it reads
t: 3:09
